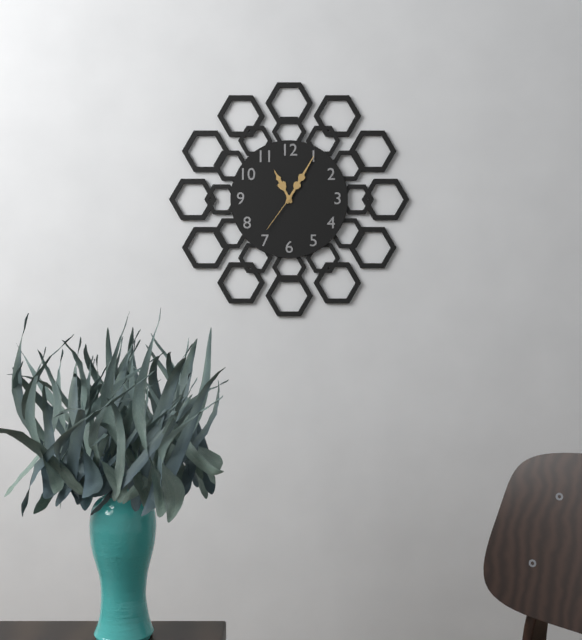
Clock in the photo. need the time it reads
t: 11:05
